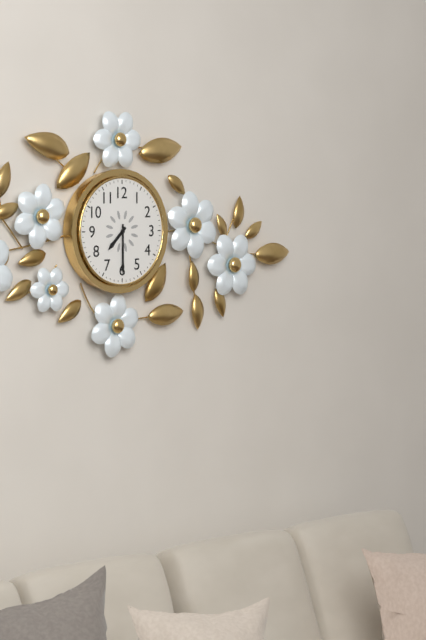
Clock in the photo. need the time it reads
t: 7:30
